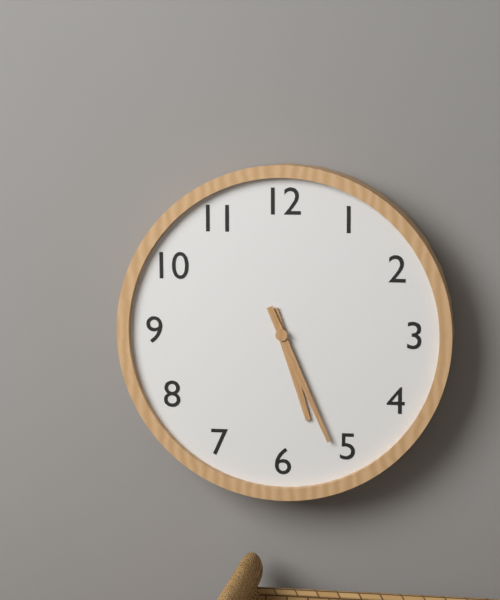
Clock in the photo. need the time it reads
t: 5:26
